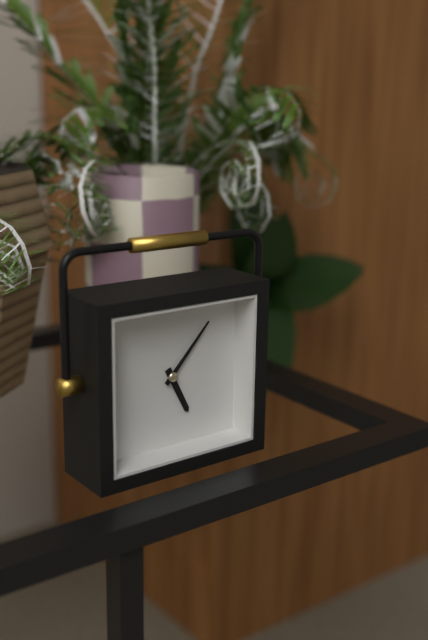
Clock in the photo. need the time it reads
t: 5:07
